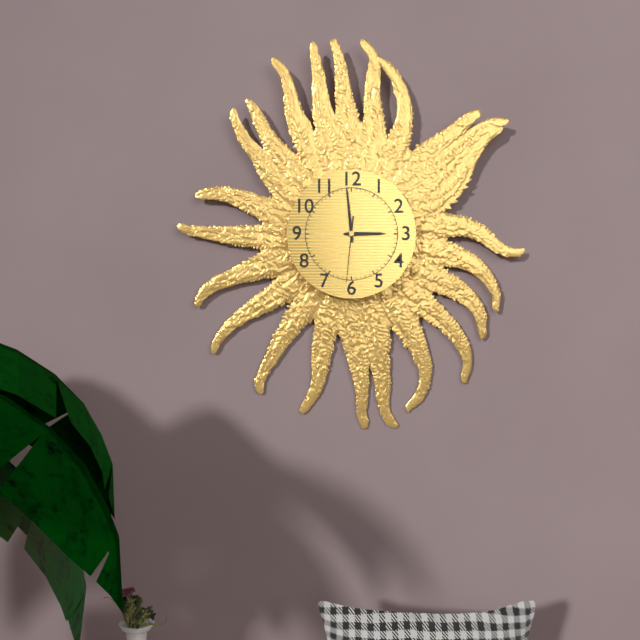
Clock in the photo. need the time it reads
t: 2:59:31
